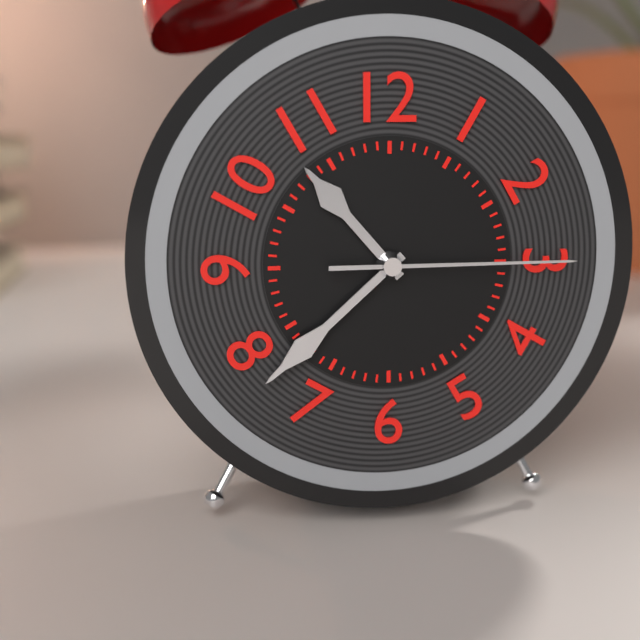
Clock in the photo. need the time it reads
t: 10:38:15
